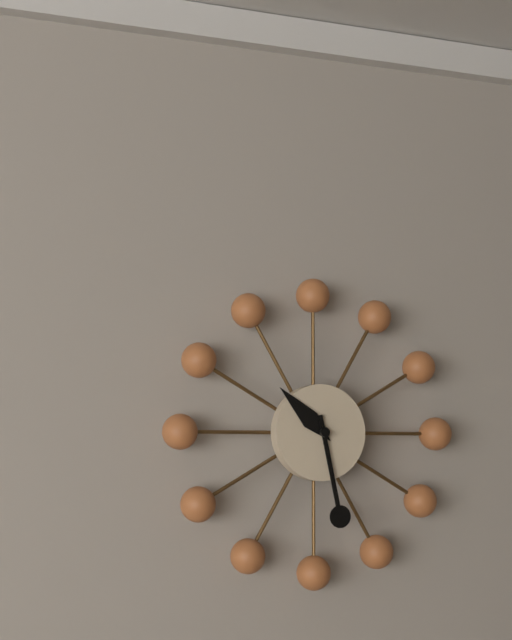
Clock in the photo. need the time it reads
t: 10:28
